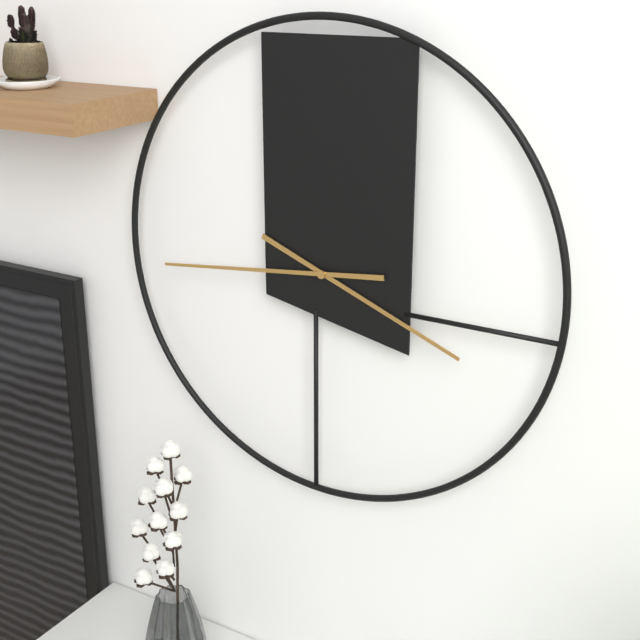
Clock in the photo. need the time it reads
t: 3:44
